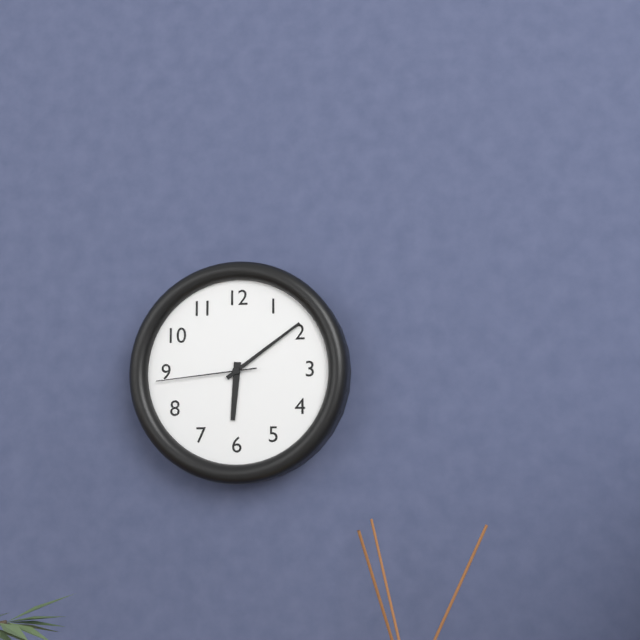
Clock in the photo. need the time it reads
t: 6:09:44
